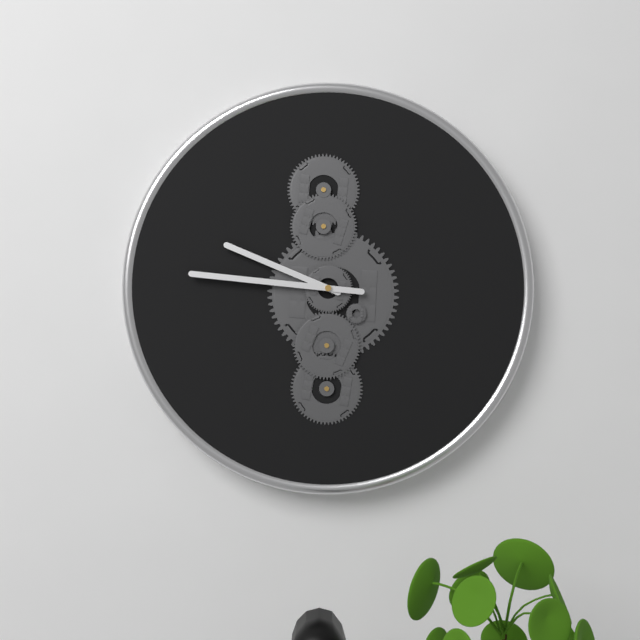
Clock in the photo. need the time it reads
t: 9:46
